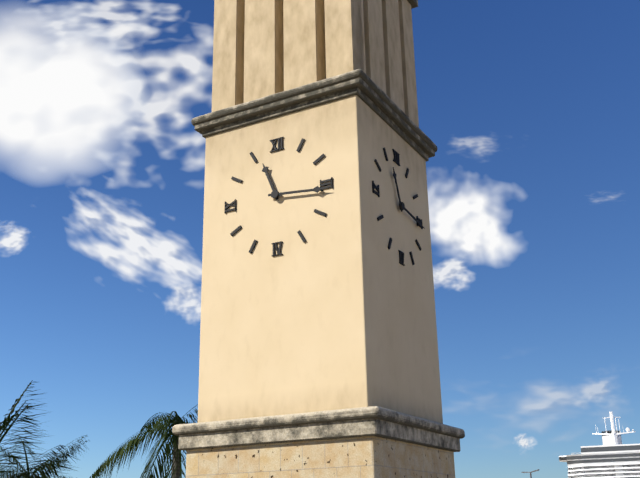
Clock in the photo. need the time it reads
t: 11:16
